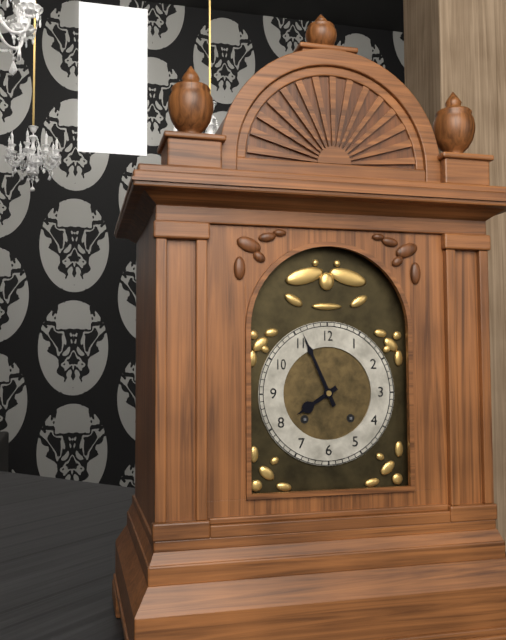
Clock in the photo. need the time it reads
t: 7:56
